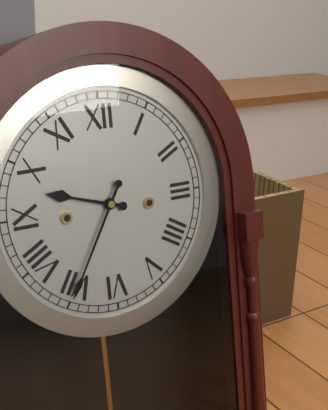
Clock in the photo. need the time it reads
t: 9:35
